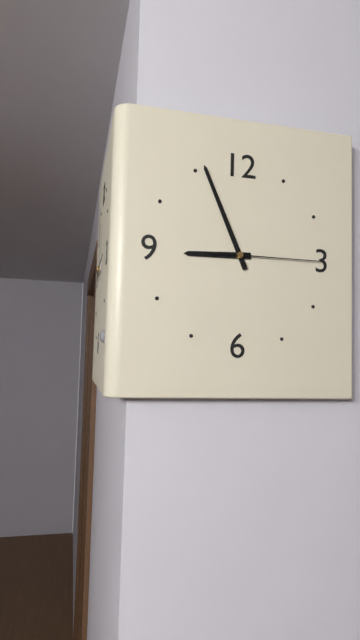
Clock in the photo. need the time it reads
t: 8:56:15
